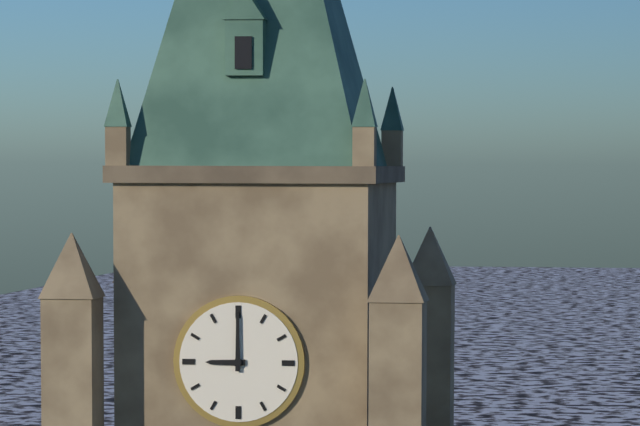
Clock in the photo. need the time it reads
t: 9:00
